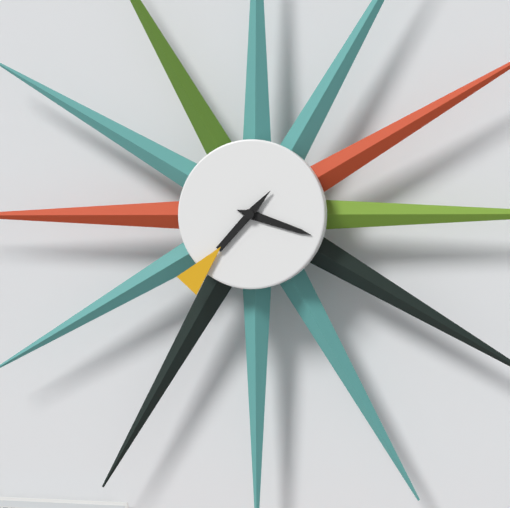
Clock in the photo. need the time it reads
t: 3:37
